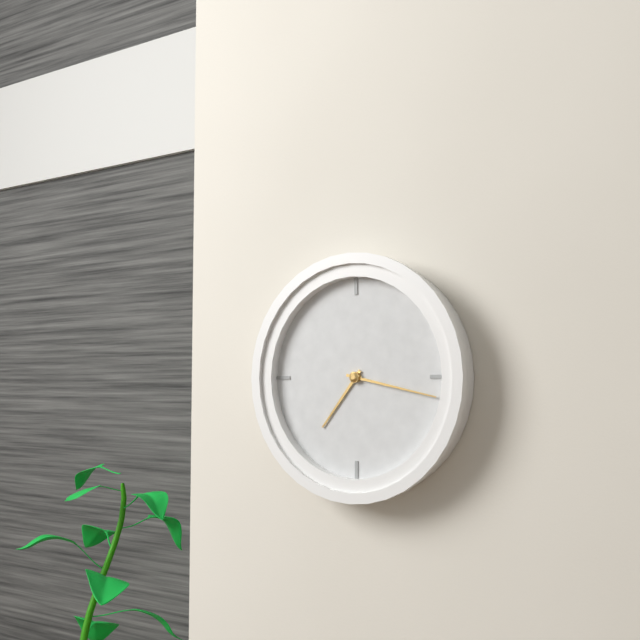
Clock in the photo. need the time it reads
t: 7:17
